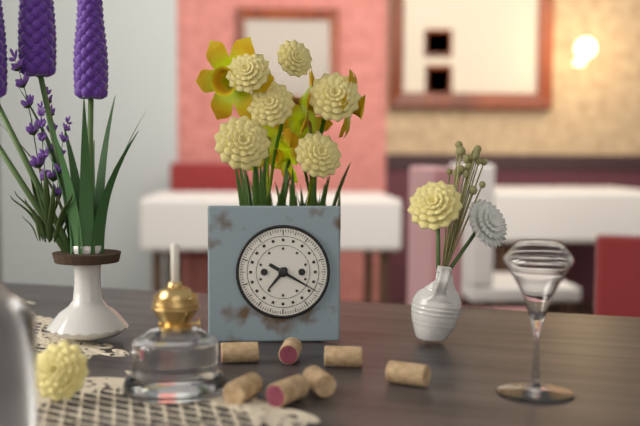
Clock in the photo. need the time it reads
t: 7:20
